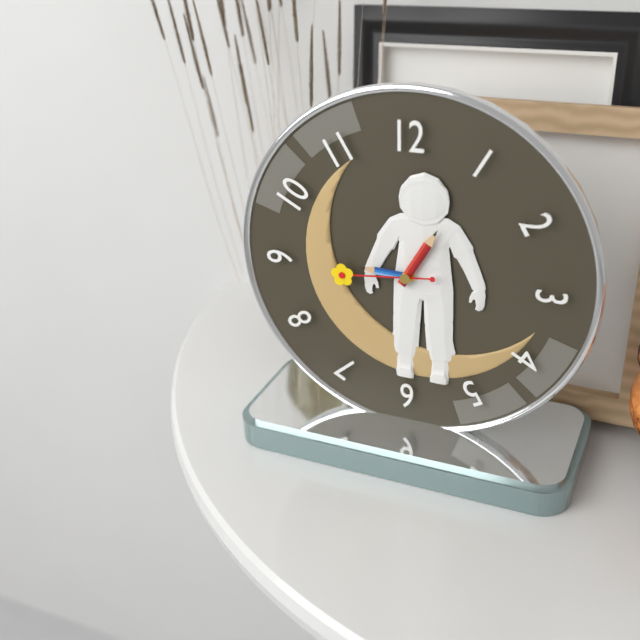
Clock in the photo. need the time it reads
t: 9:05:44
